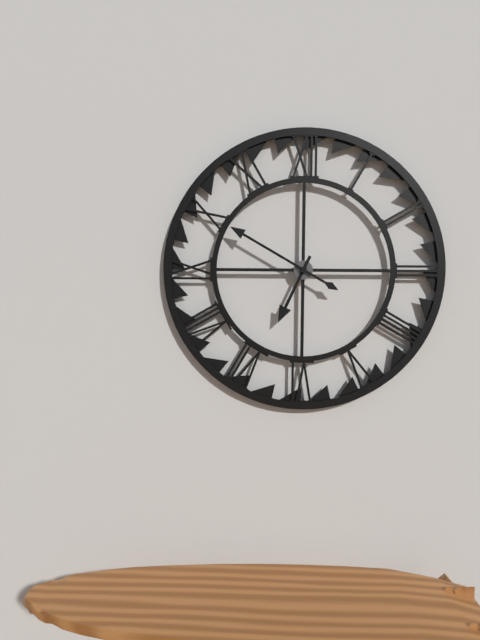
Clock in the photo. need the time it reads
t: 6:50
